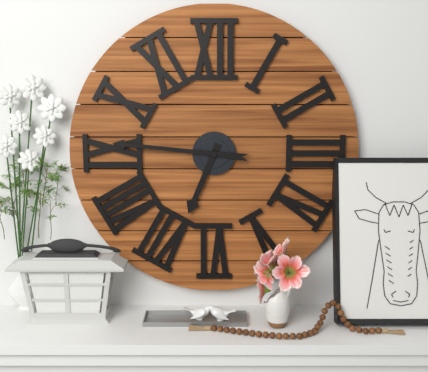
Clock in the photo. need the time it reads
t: 6:46
